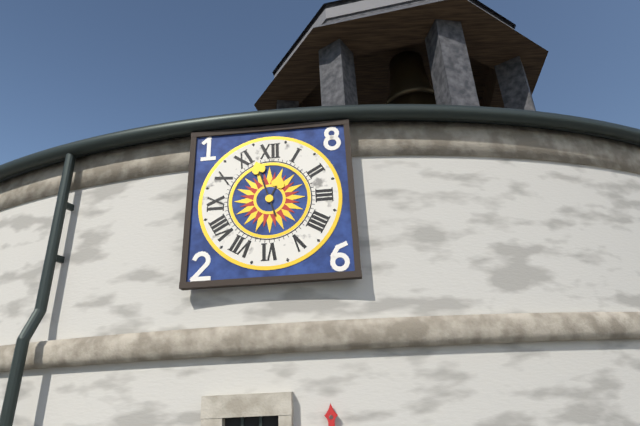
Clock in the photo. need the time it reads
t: 12:57
